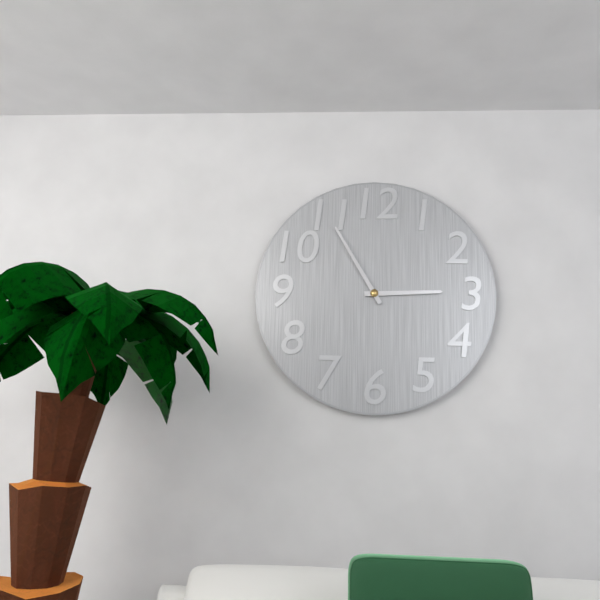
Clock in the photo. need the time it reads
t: 2:55
